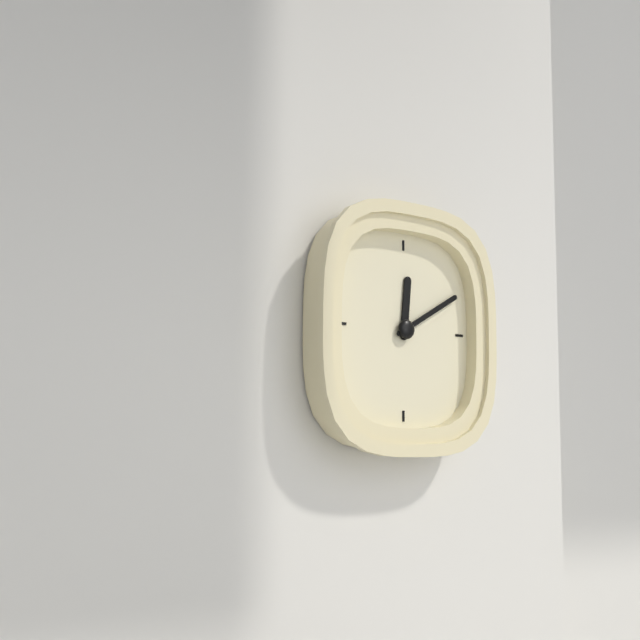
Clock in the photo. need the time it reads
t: 12:10
